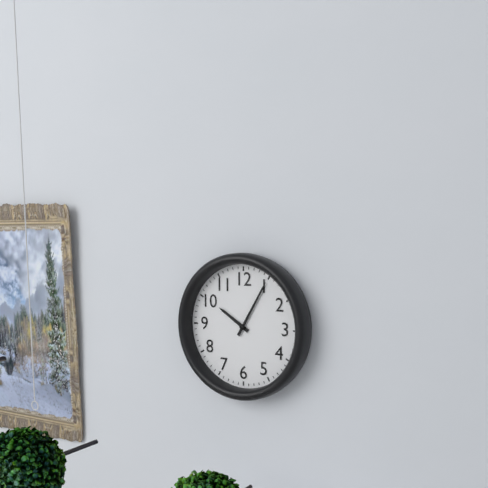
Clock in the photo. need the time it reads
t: 10:05
